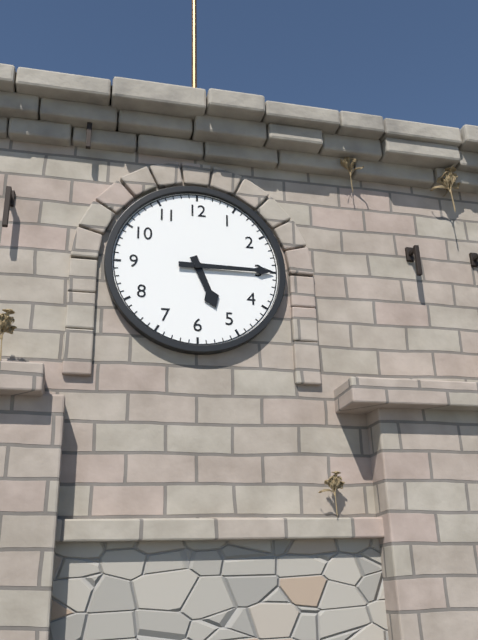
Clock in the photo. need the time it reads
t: 5:15
